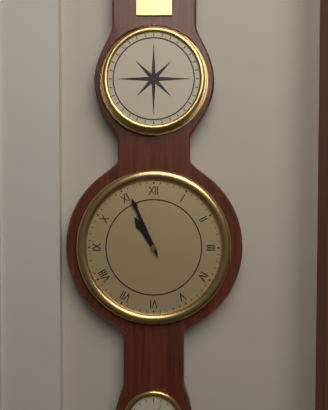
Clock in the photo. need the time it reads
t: 10:56
